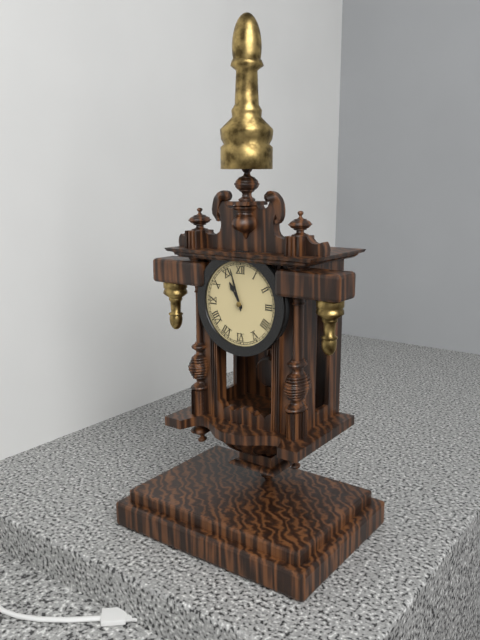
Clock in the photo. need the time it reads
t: 10:57
